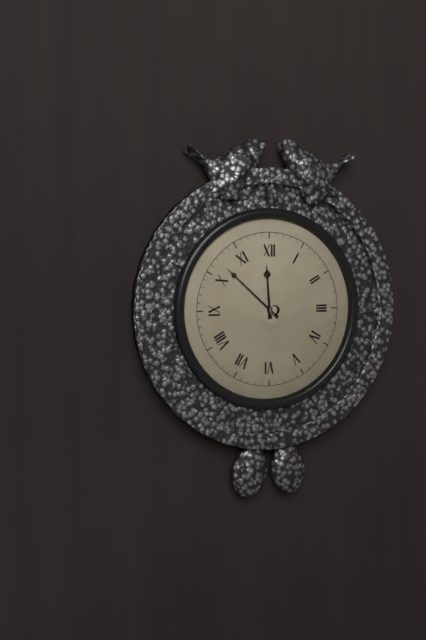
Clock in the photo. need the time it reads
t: 11:52
